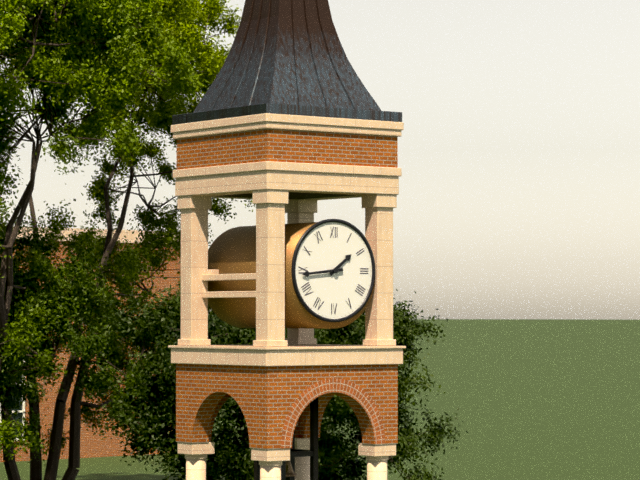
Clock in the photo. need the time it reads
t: 1:44
